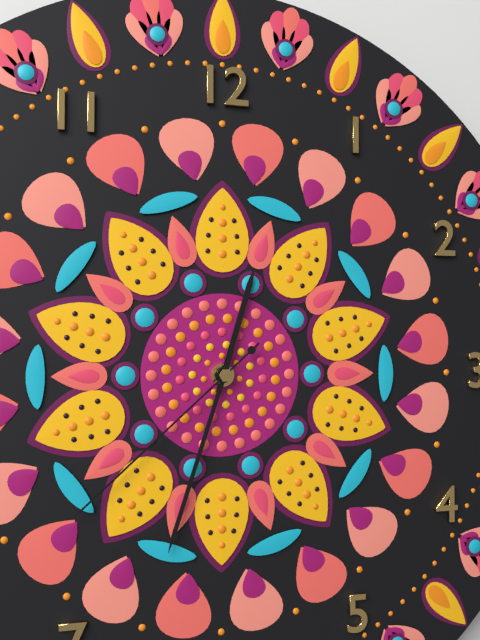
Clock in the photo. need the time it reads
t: 12:33:38
